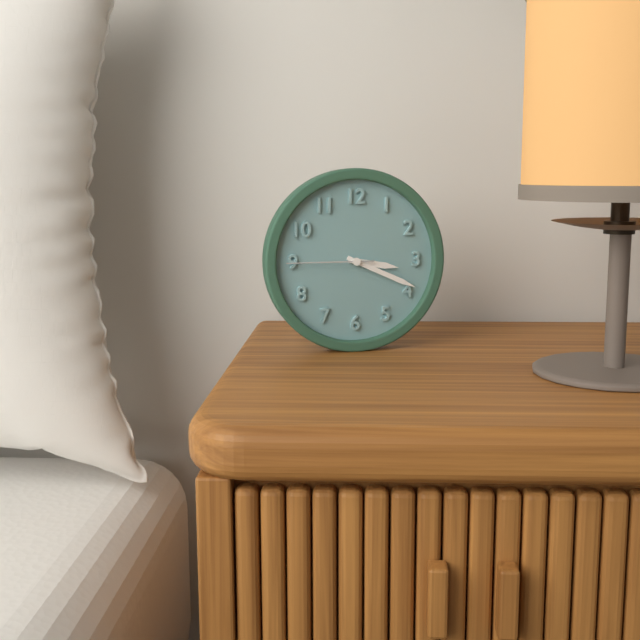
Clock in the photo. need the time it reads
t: 3:19:45
